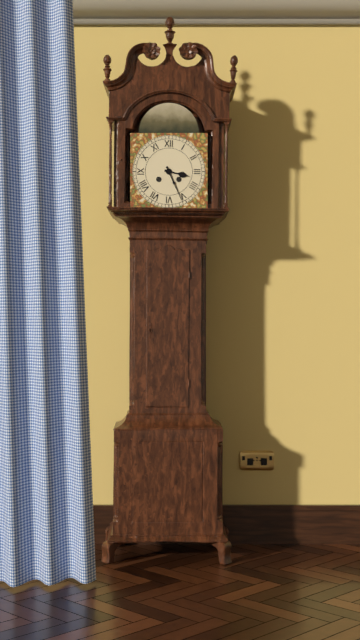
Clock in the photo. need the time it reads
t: 3:26
